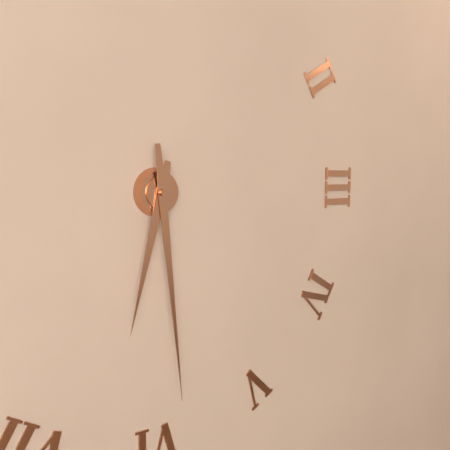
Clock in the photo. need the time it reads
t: 6:29
